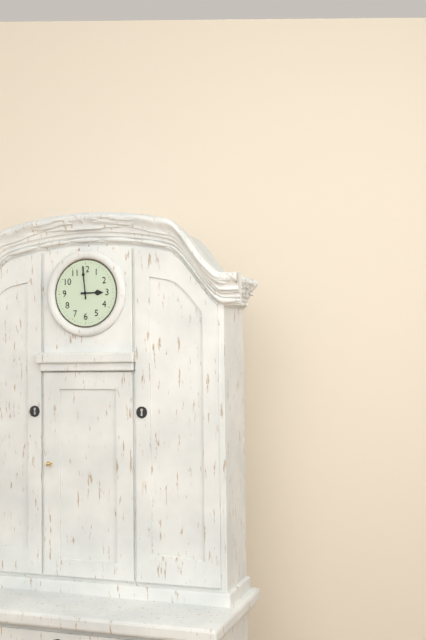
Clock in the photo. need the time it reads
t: 2:59
